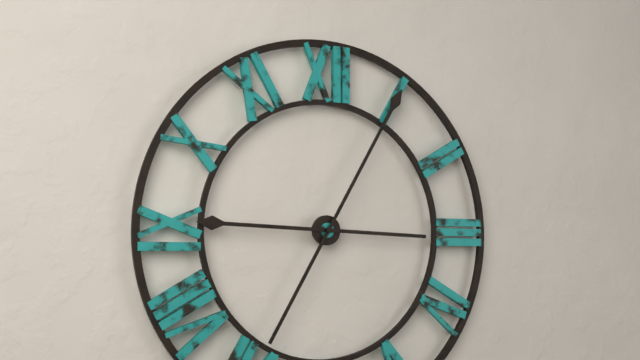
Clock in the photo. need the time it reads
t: 9:05
